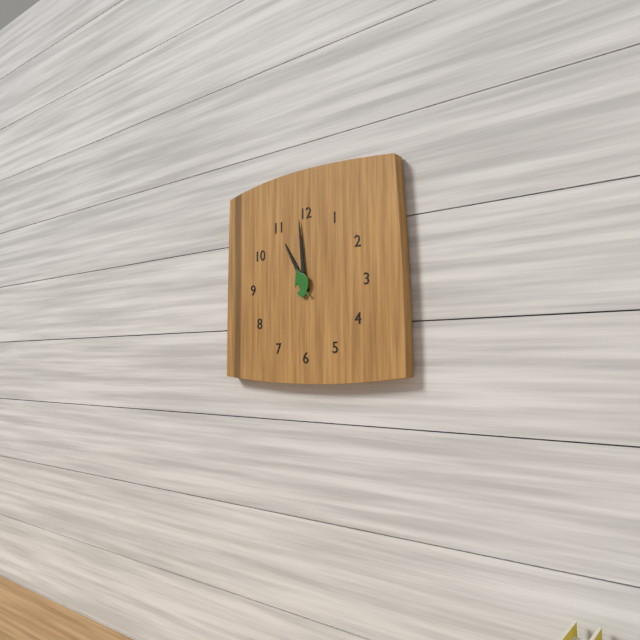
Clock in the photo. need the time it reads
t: 10:59
